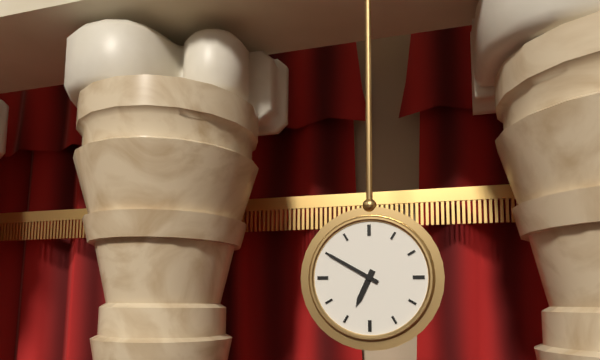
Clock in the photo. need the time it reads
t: 6:50
